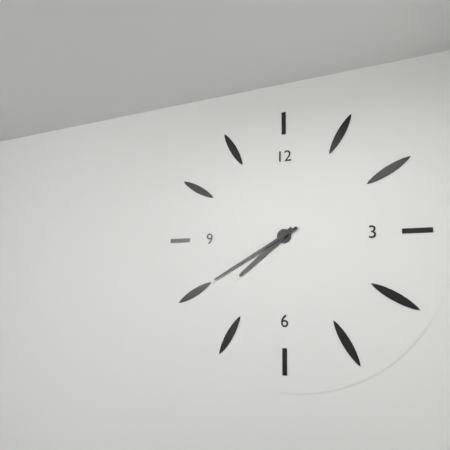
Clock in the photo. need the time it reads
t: 7:40
